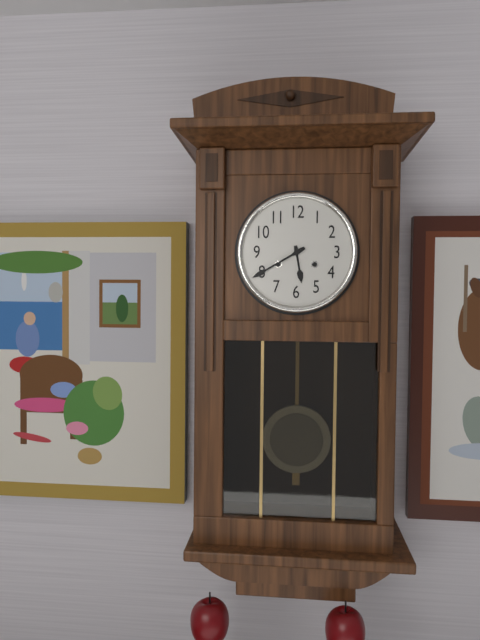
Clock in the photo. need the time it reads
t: 5:40
